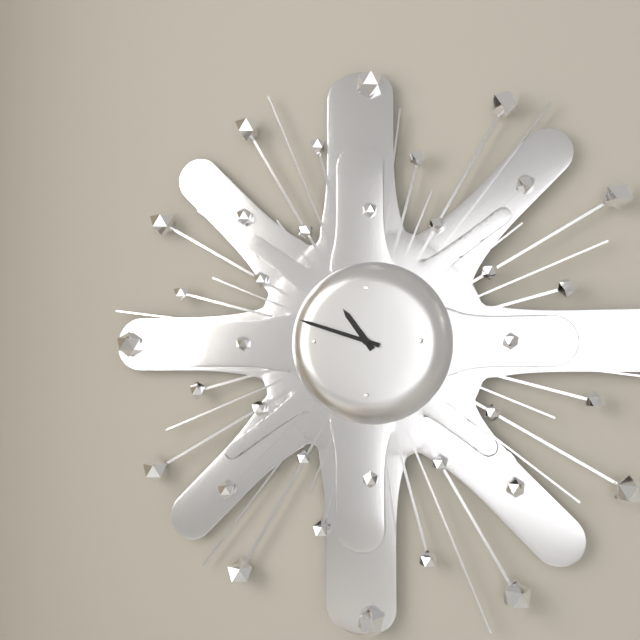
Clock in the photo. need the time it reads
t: 10:48
